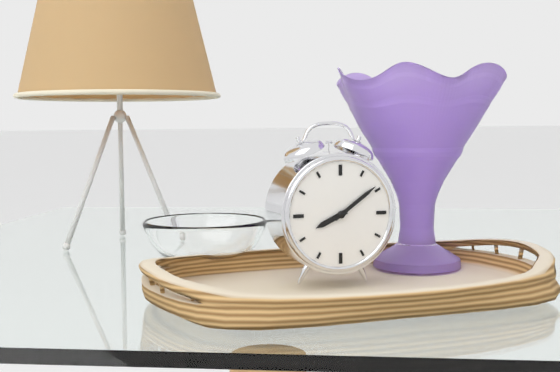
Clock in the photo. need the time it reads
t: 8:09
